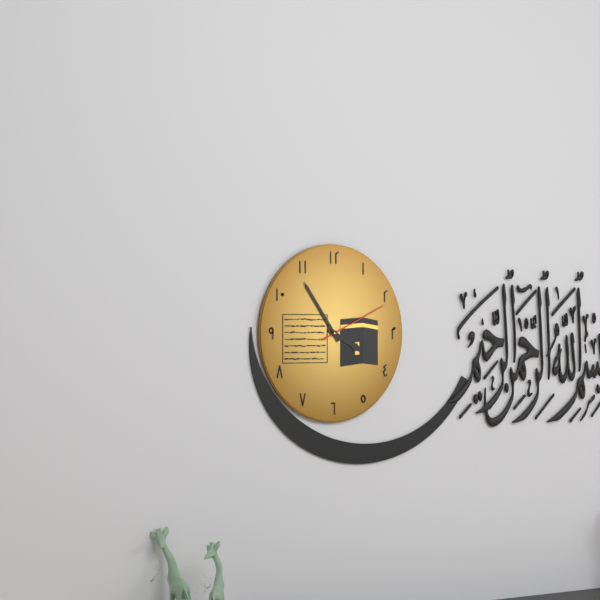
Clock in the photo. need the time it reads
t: 3:54:11
